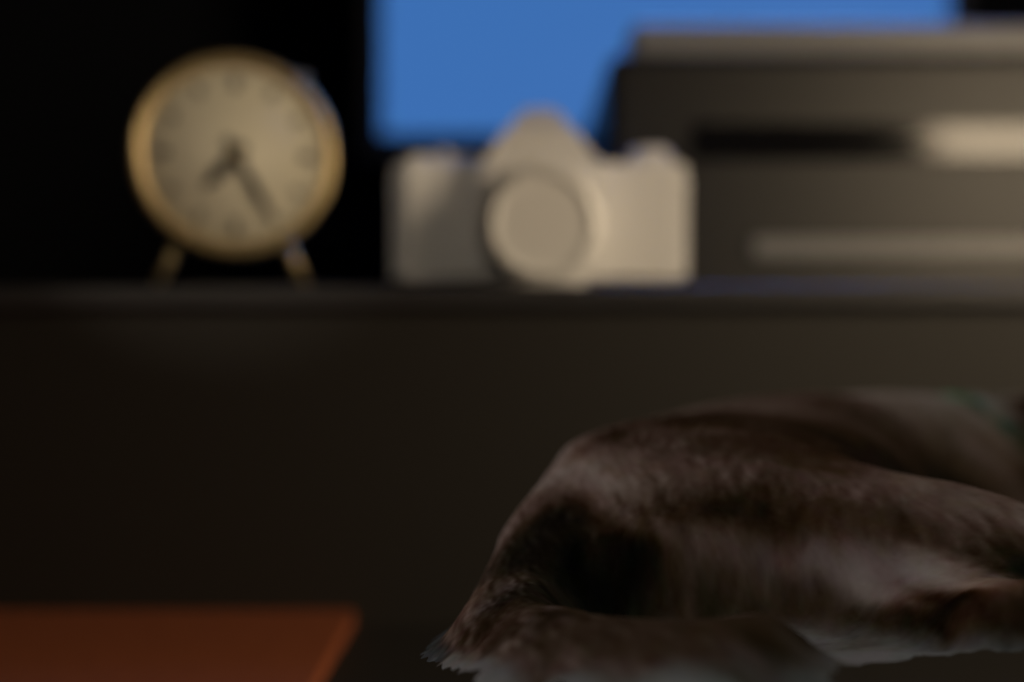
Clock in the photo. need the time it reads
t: 7:25
